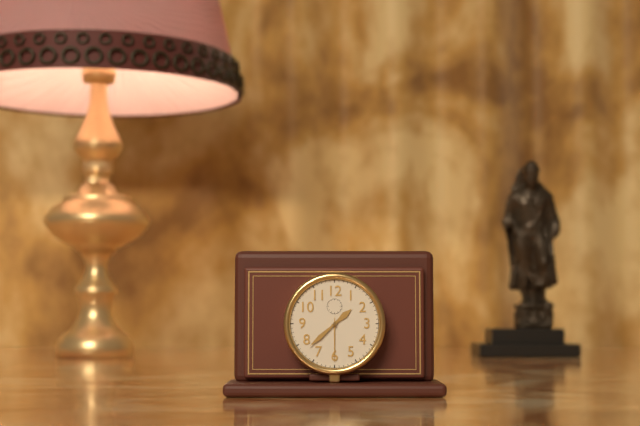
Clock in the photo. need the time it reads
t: 1:38
